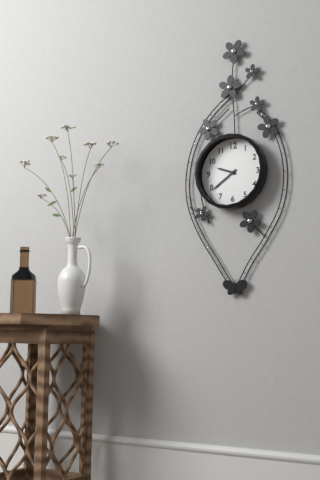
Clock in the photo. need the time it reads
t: 9:39
